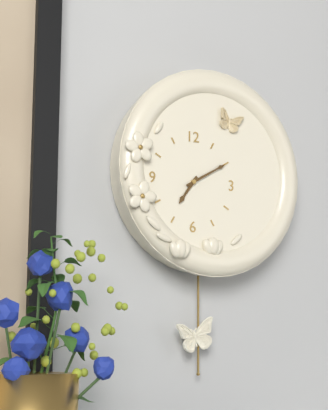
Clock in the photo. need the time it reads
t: 7:10
